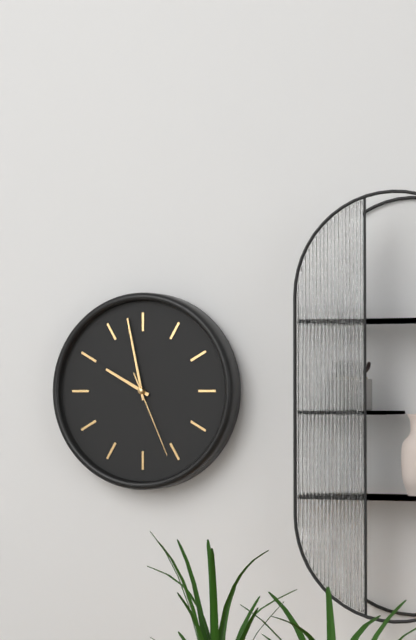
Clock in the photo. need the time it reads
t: 9:58:26
